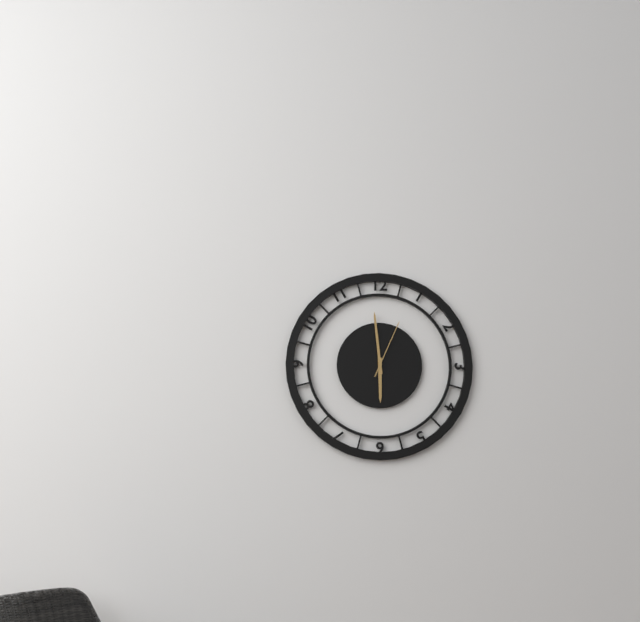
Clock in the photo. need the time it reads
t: 5:59:04
